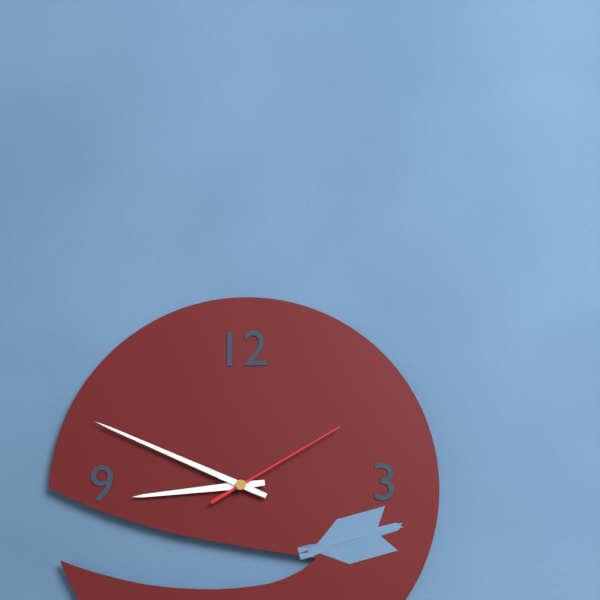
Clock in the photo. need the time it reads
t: 8:49:10
